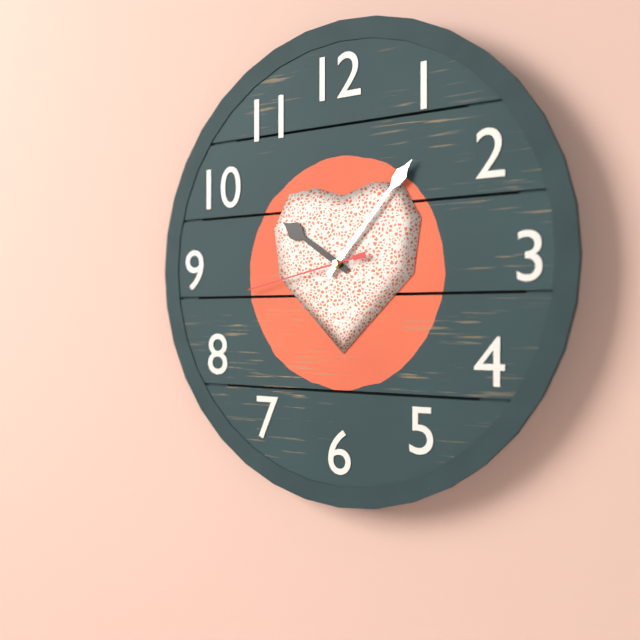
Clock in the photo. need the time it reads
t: 10:07:43
